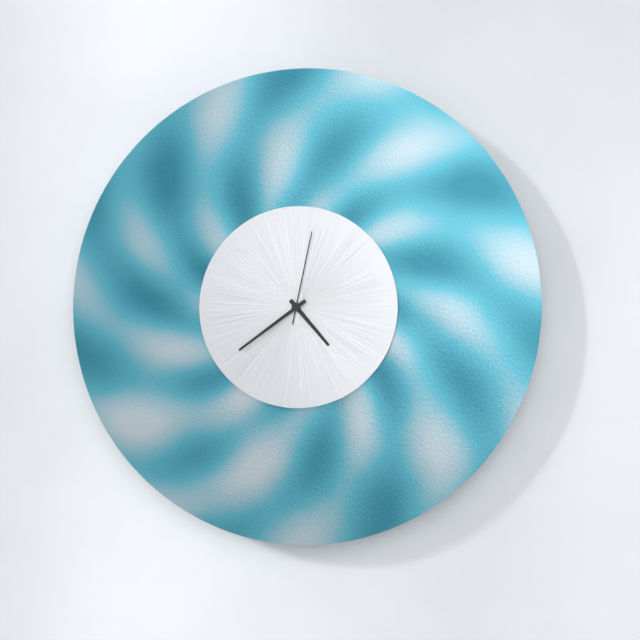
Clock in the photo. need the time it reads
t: 4:39:02
